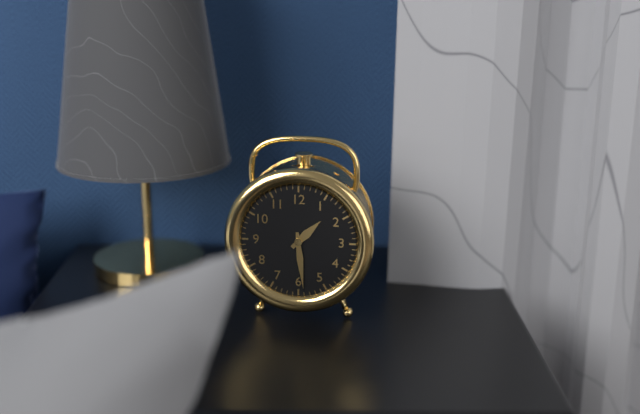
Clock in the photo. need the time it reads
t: 1:29
